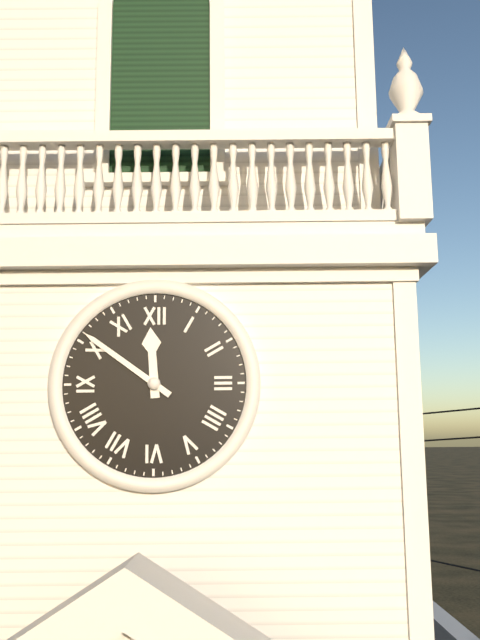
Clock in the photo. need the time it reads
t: 11:51
